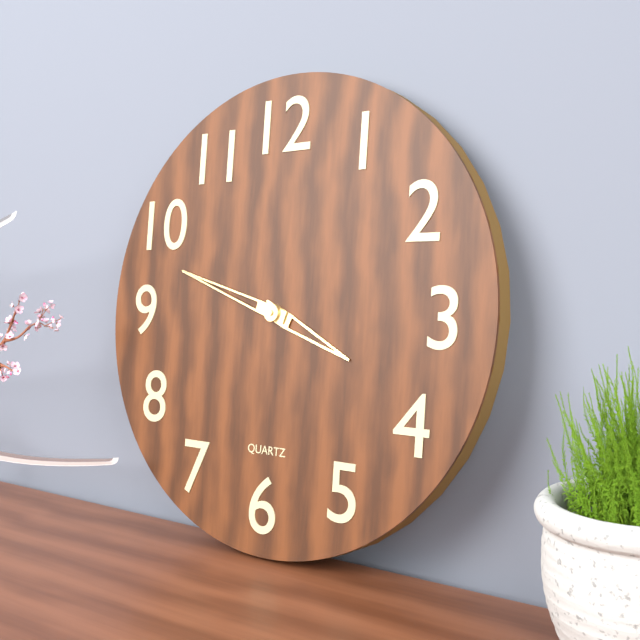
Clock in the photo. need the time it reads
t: 3:48
